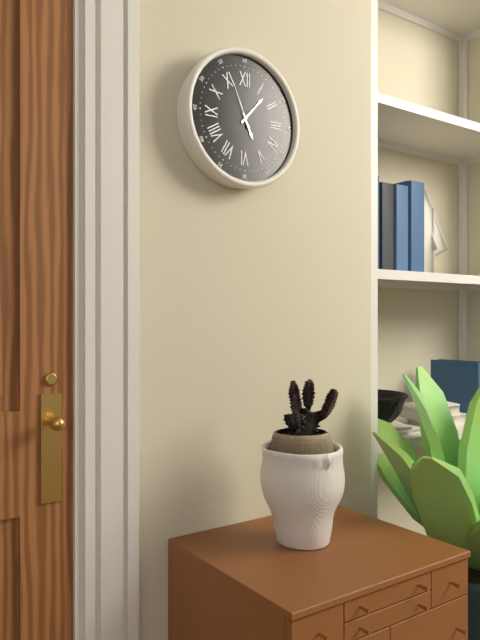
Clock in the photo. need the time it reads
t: 5:07:56
